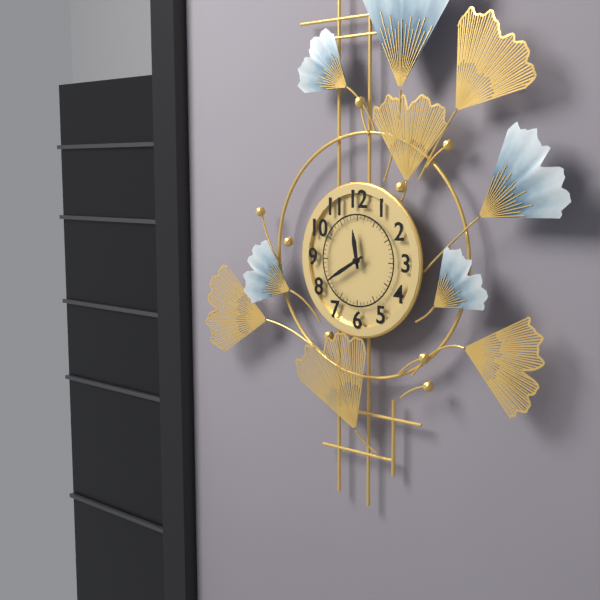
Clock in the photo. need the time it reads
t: 11:40
